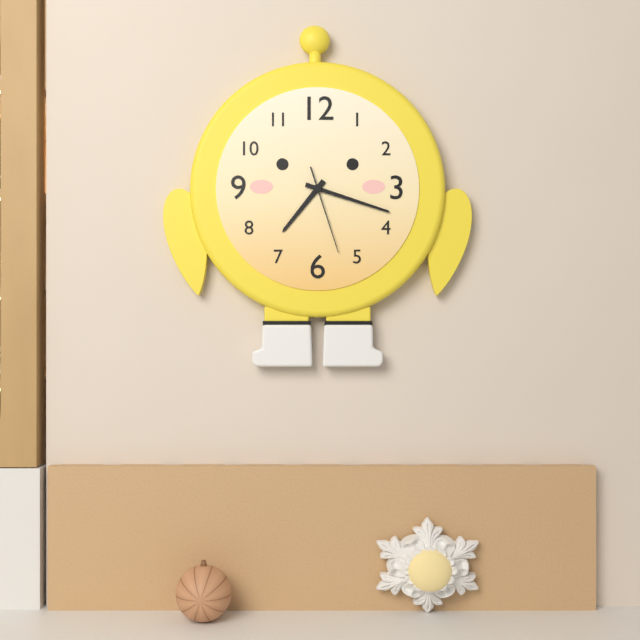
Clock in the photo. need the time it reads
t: 7:18:27
